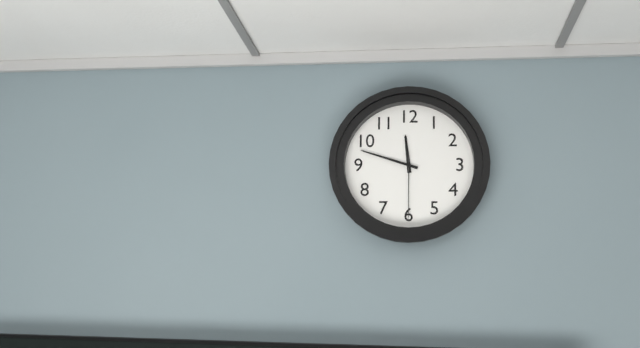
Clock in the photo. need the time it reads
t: 11:48:30
